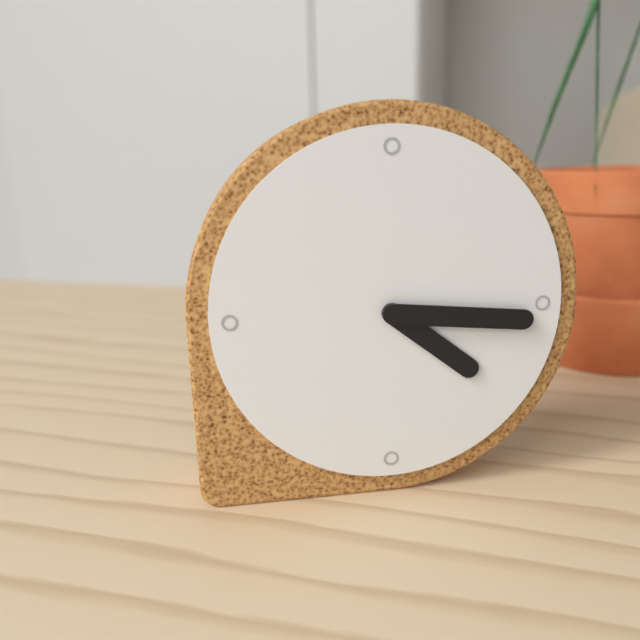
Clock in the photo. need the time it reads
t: 4:16
